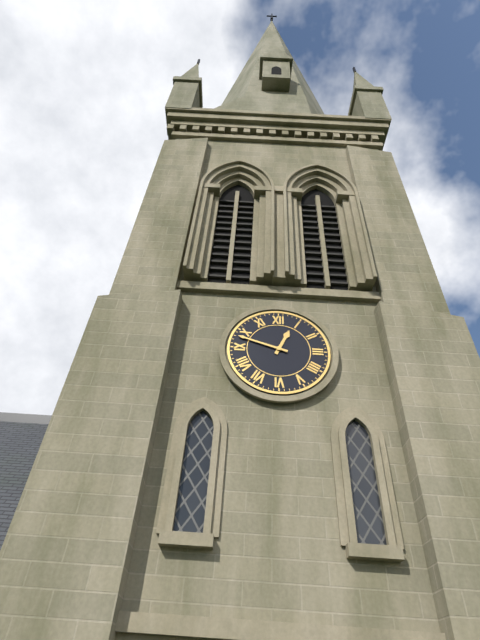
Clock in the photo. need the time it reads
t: 12:48
